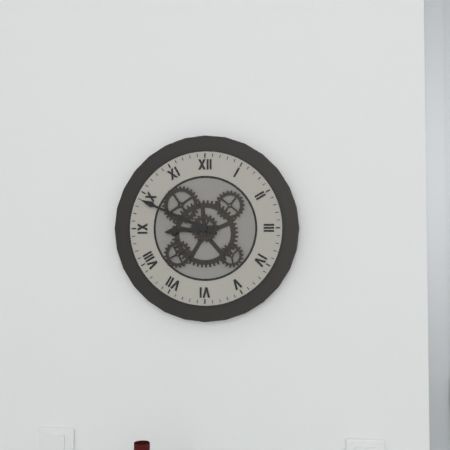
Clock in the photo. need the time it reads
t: 8:49
